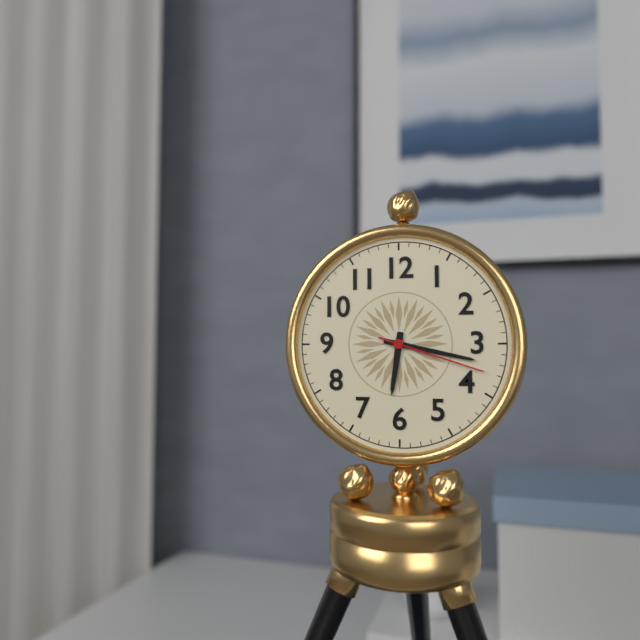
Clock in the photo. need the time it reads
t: 6:17:18
